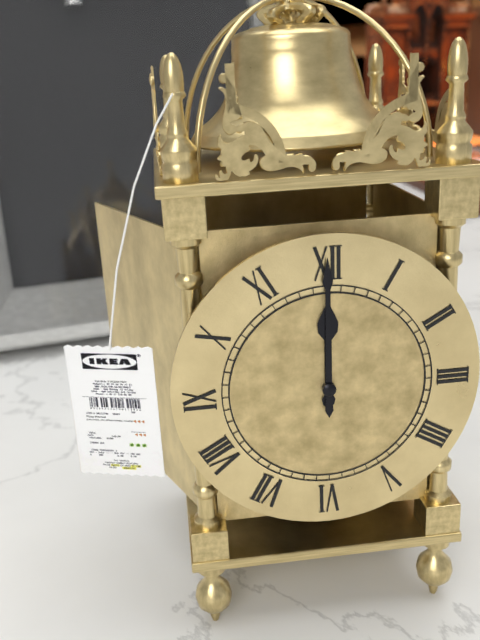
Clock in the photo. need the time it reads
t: 12:00
